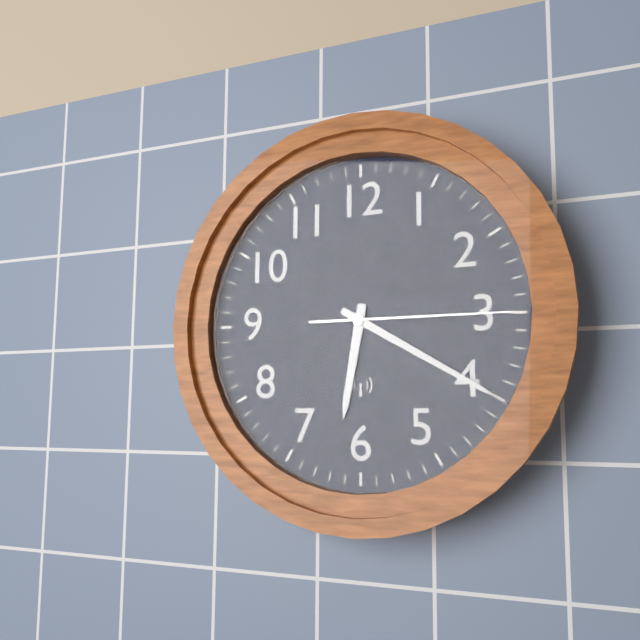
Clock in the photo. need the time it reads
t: 6:20:15
